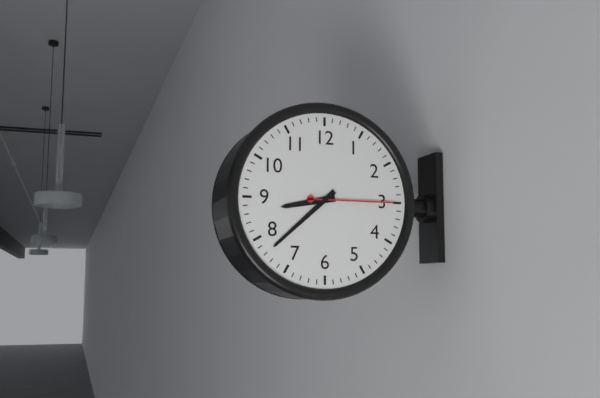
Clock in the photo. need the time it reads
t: 8:38:15
